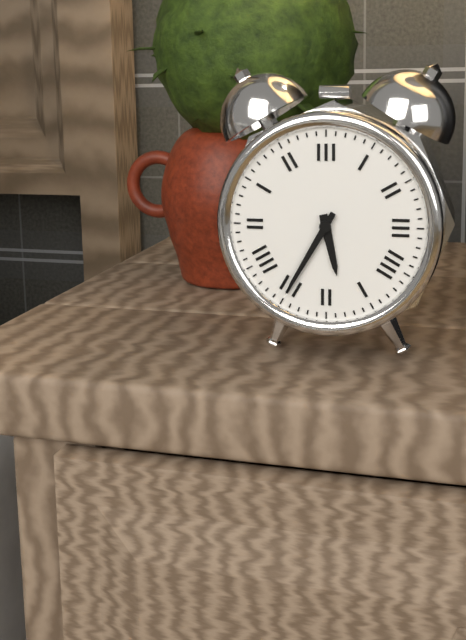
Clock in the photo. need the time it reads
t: 5:35
